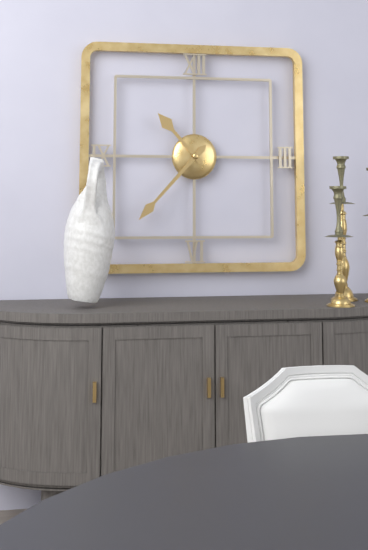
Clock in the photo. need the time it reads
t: 10:37
